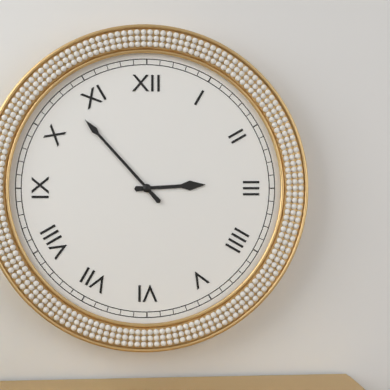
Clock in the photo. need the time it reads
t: 2:53
